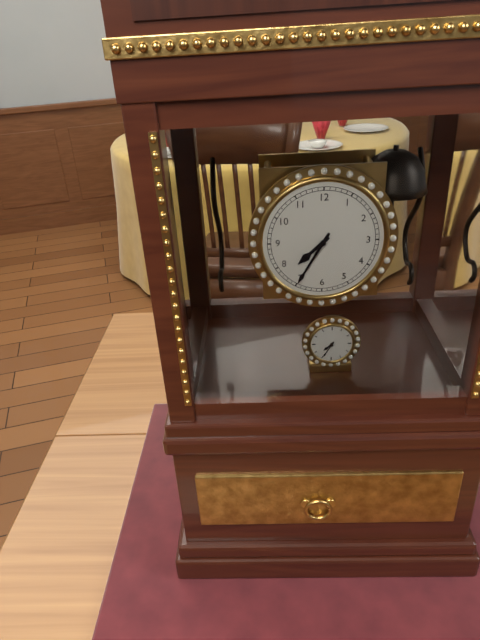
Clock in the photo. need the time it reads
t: 7:35
